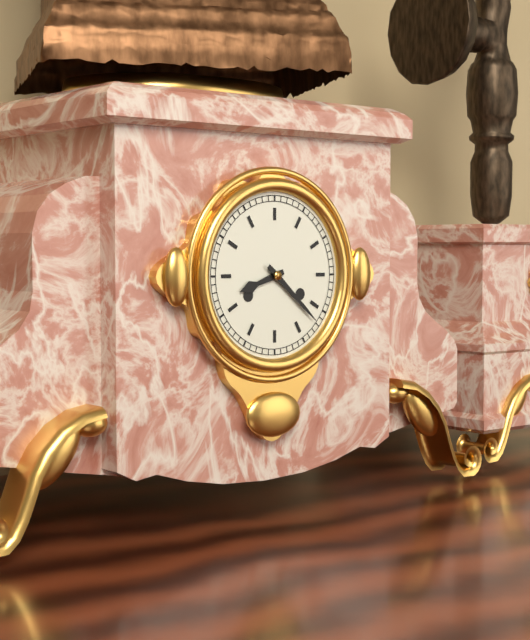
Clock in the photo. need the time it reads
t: 8:22
